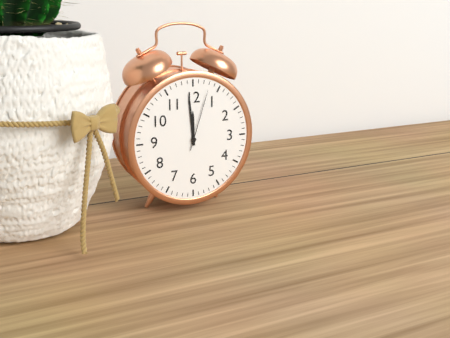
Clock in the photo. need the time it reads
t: 11:59:03
